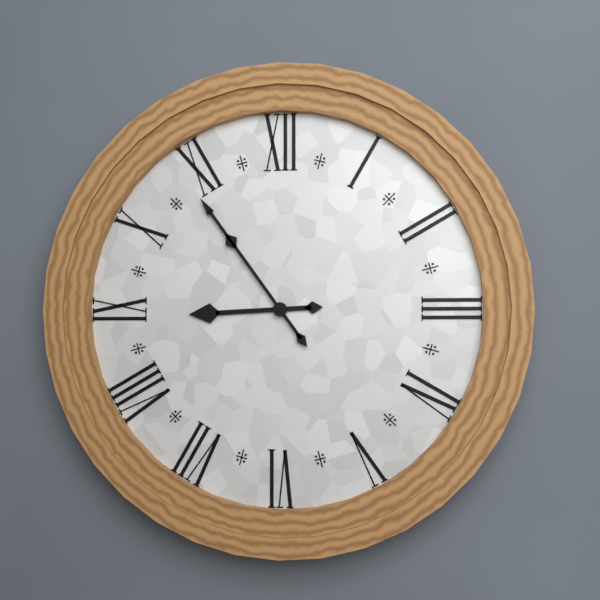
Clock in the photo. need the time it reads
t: 8:54
